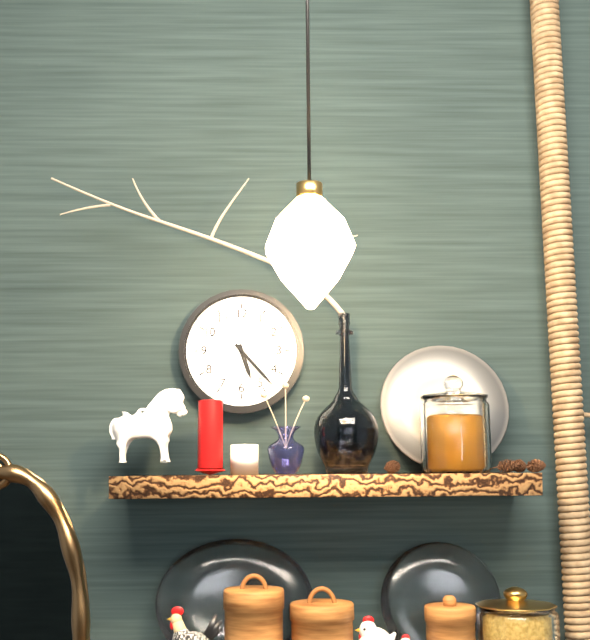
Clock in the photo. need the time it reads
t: 5:23
